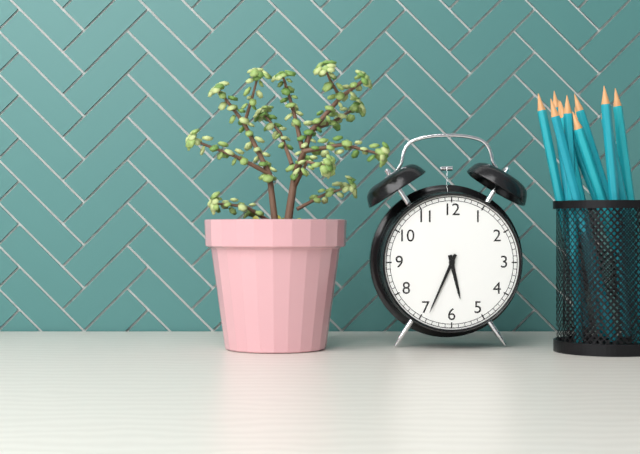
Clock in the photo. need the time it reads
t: 5:34
